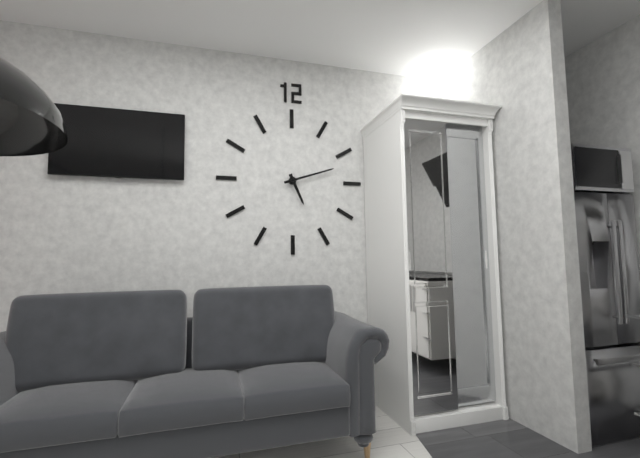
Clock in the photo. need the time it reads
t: 5:12
